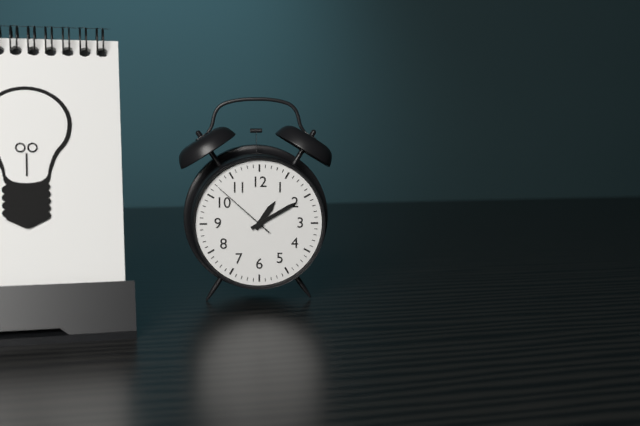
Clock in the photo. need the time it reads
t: 1:10:52
